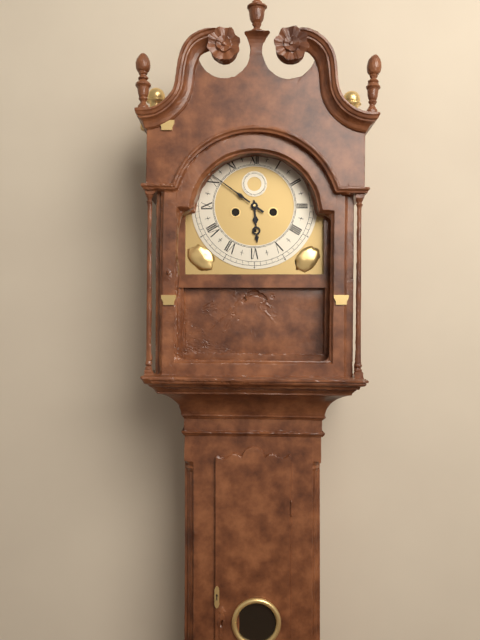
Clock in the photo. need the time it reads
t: 5:51
